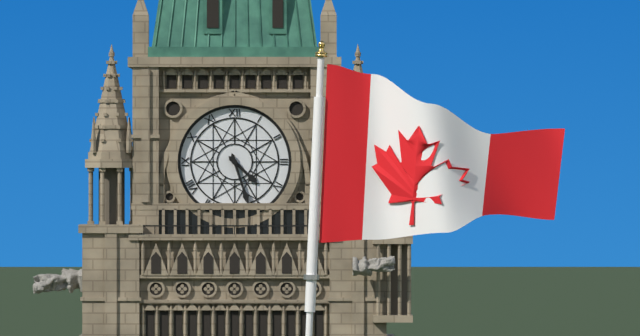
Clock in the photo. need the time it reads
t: 4:27
